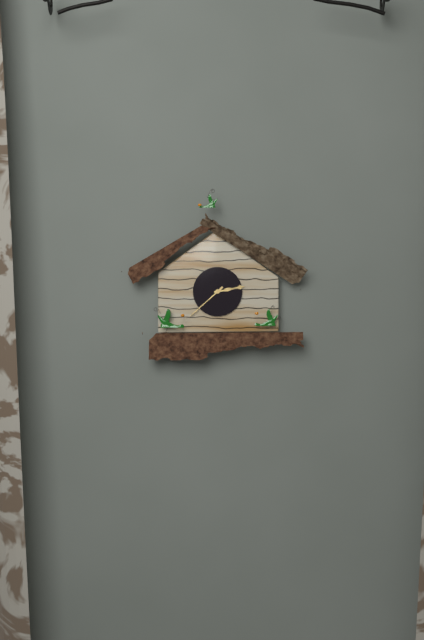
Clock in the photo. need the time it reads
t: 2:38
